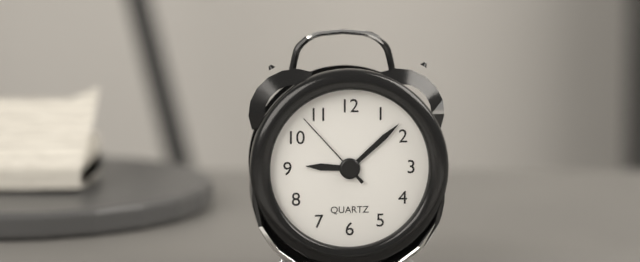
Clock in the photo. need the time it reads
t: 9:08:53
